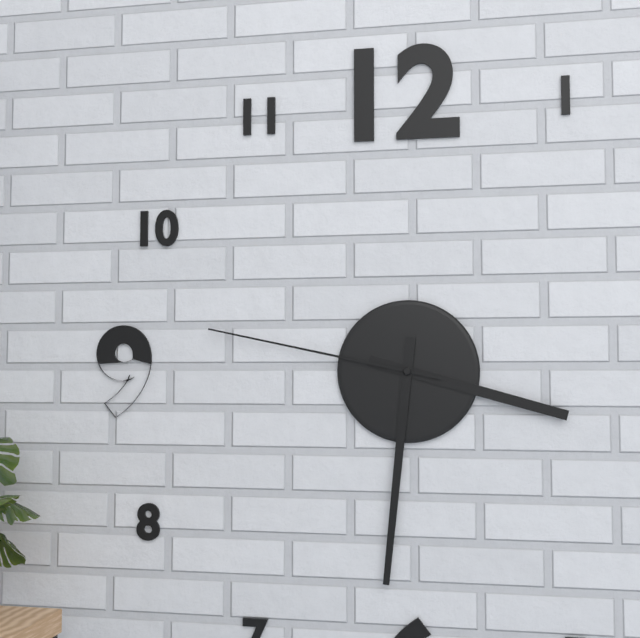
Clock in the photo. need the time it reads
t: 3:31:47
